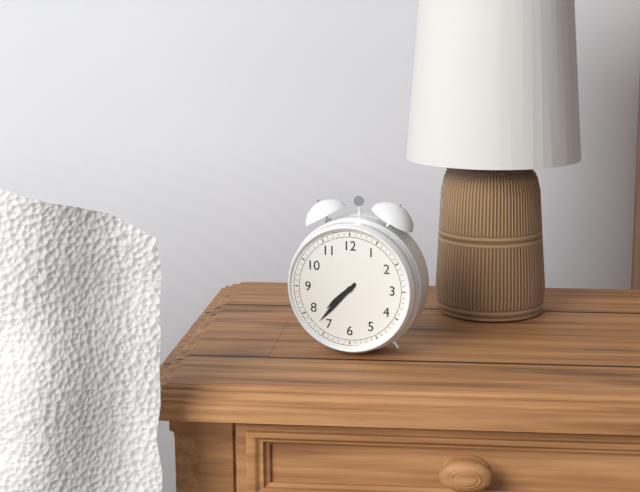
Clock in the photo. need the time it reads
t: 7:37
